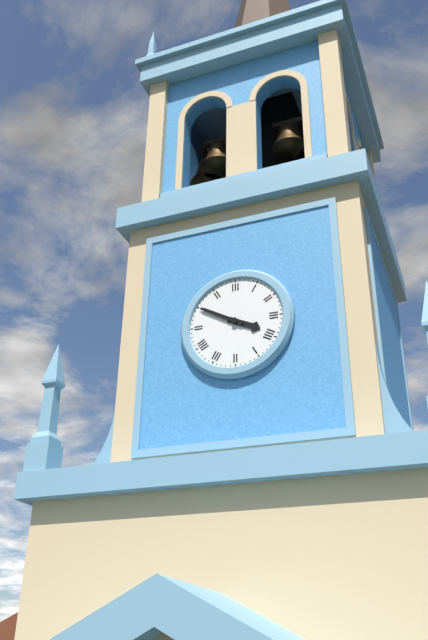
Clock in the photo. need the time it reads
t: 3:50
